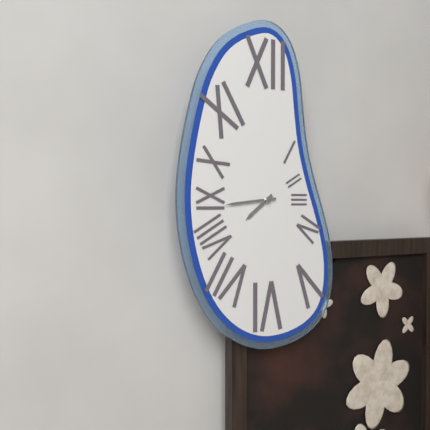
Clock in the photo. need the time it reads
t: 7:44
